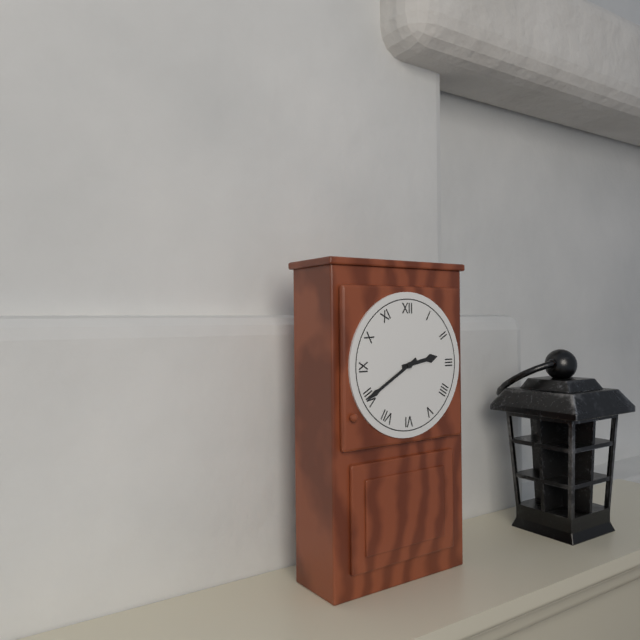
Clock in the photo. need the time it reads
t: 2:40
